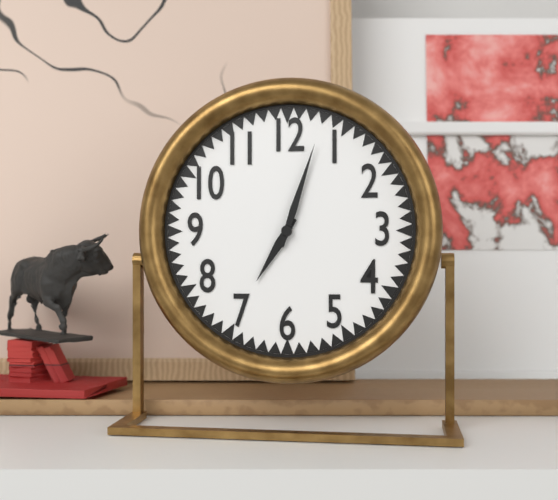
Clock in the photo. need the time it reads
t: 7:03
